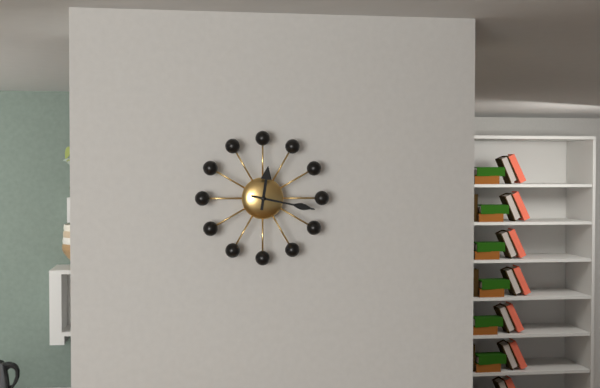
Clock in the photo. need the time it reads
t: 12:17
